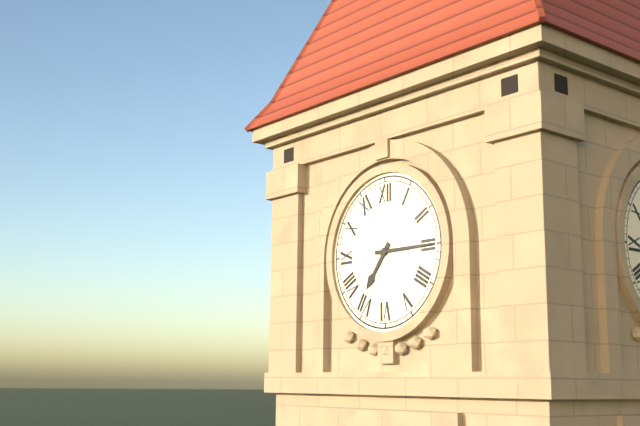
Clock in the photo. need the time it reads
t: 7:15
